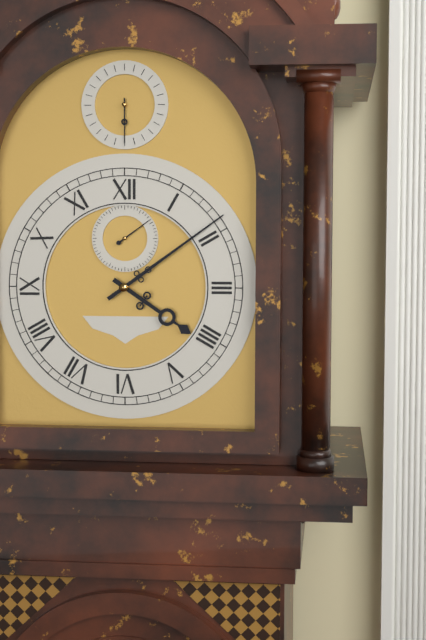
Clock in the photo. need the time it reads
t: 4:09
